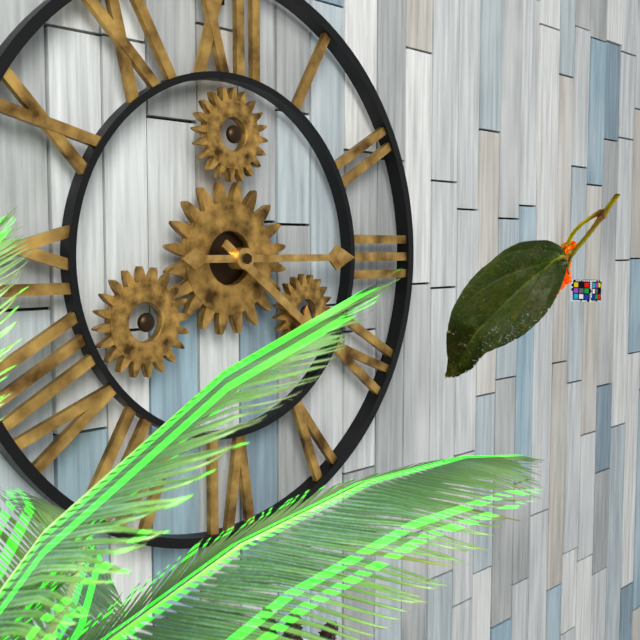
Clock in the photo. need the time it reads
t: 4:15
